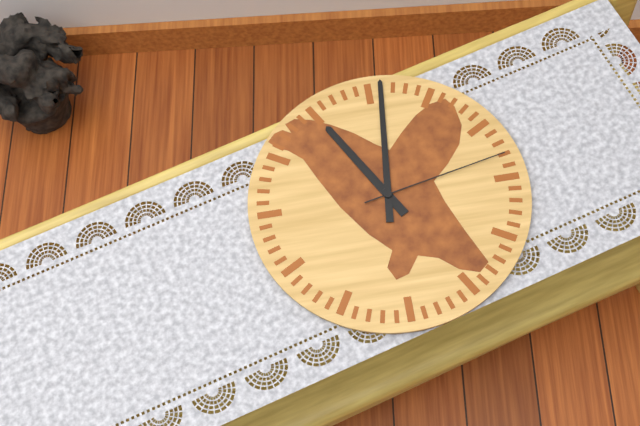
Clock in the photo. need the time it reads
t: 11:01:13
